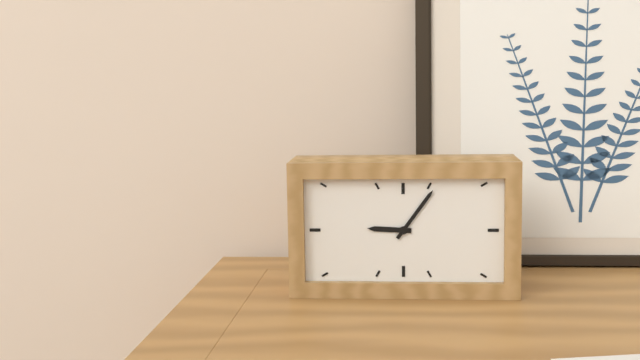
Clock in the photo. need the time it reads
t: 9:06
